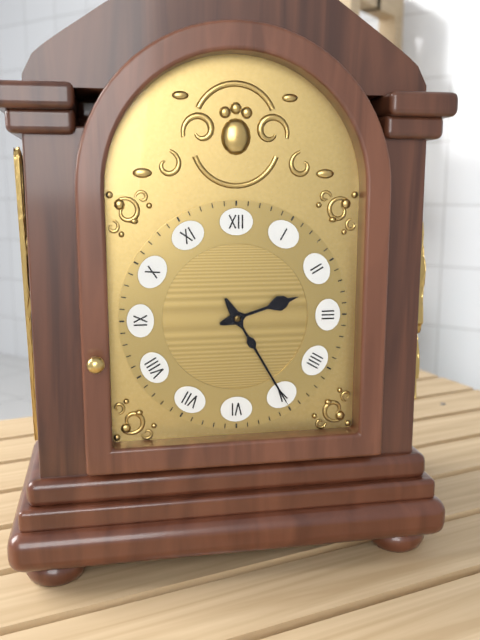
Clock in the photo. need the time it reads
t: 2:25
